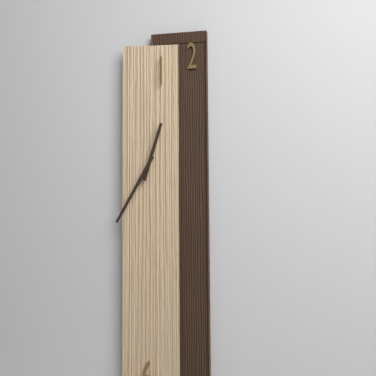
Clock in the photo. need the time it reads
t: 12:35
